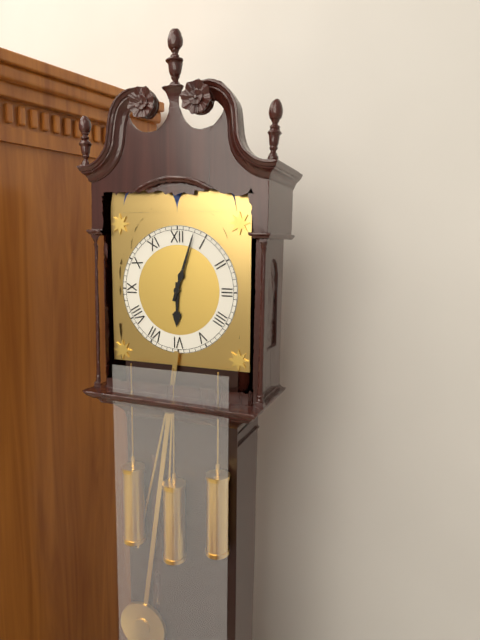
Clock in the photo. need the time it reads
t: 6:03
